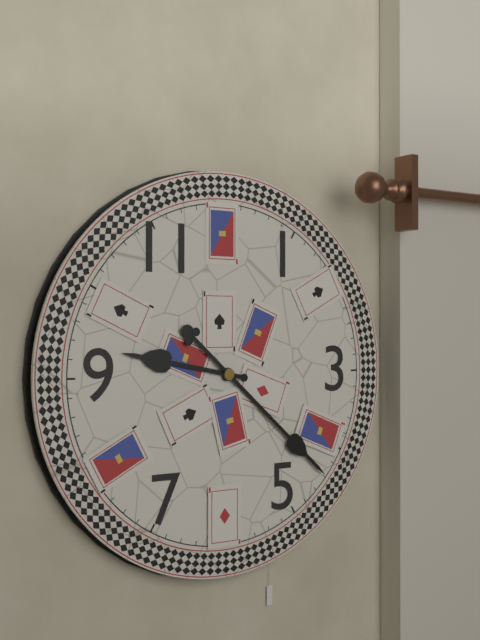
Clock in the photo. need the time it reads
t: 9:22
